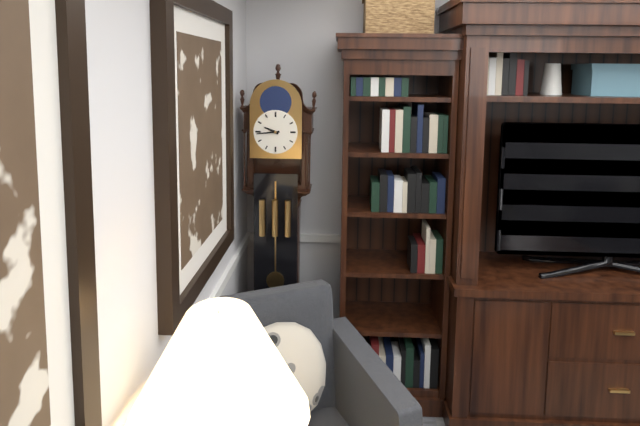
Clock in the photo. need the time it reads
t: 9:44
